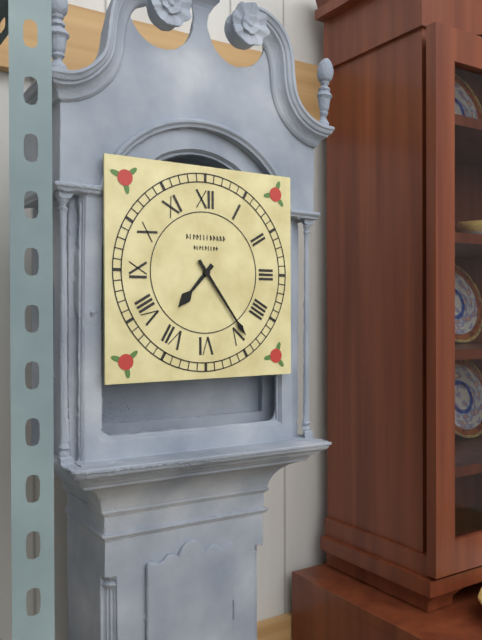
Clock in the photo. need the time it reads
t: 7:24
